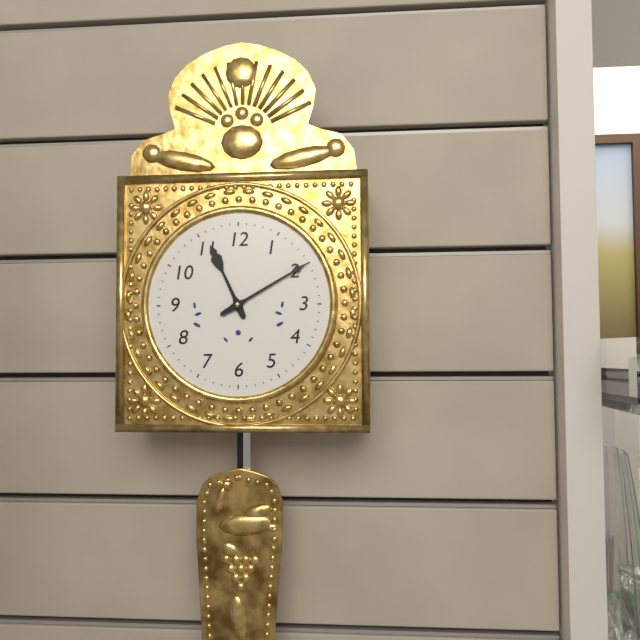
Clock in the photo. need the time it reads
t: 11:10
